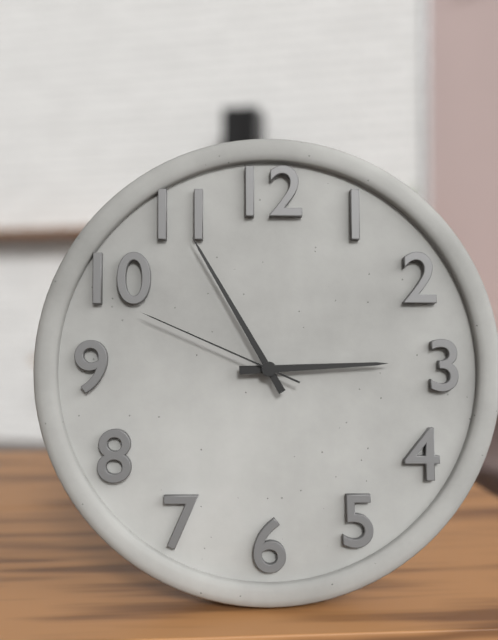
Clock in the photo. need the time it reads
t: 2:55:49
